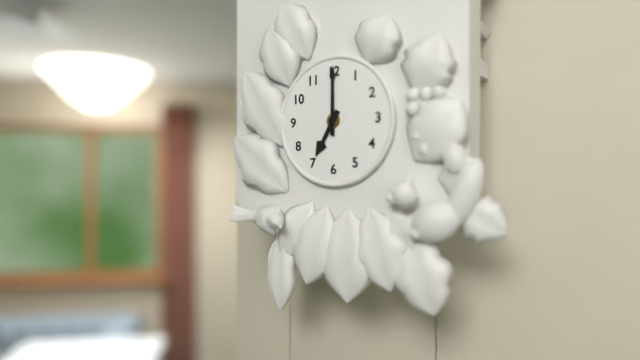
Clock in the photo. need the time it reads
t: 7:00
